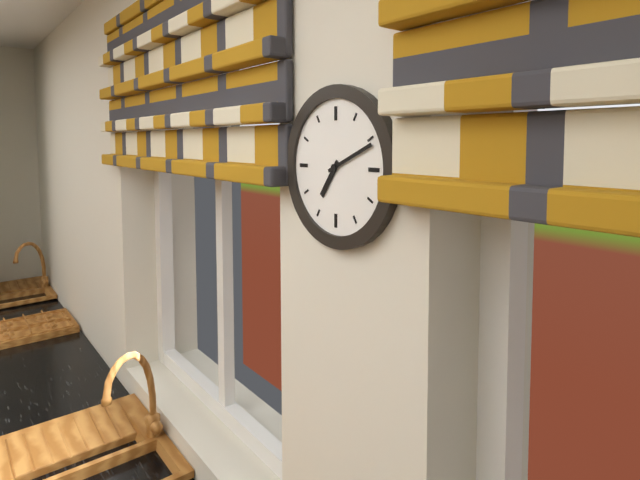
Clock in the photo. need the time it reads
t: 7:11
